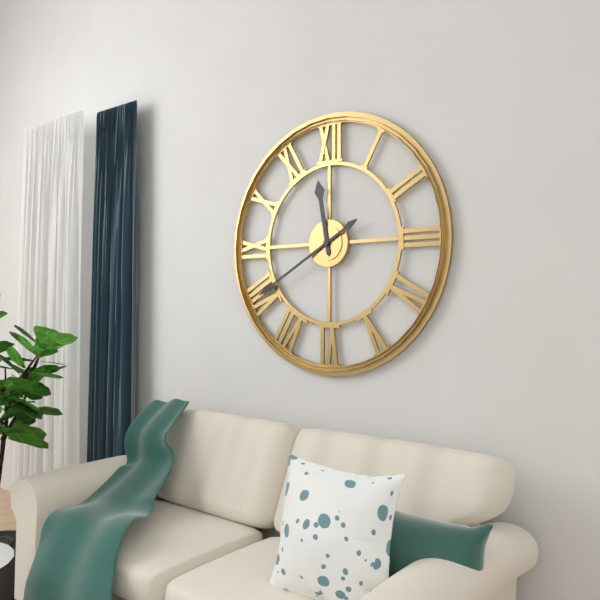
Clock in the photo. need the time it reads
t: 11:40
